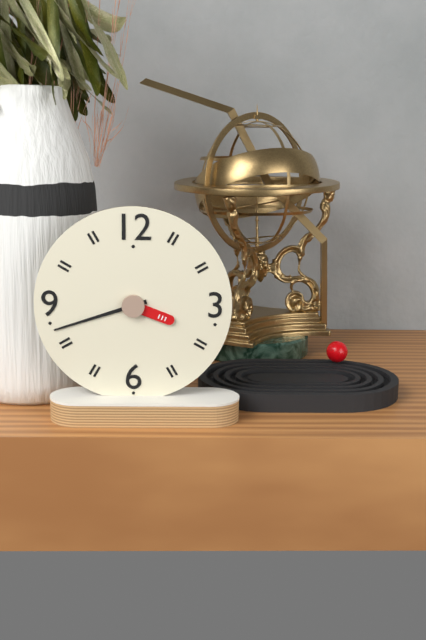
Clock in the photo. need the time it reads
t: 3:42
